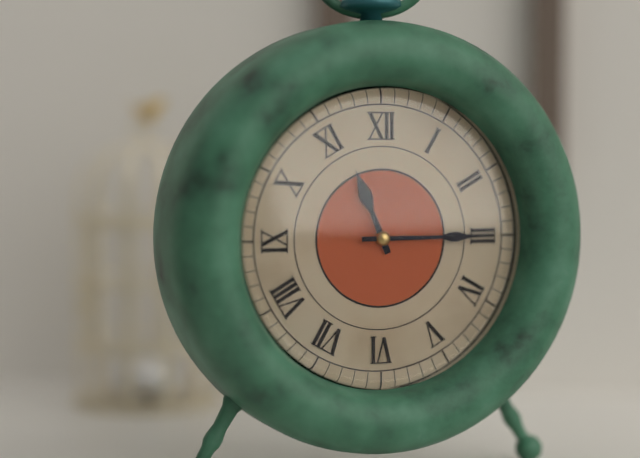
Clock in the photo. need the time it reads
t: 11:15
